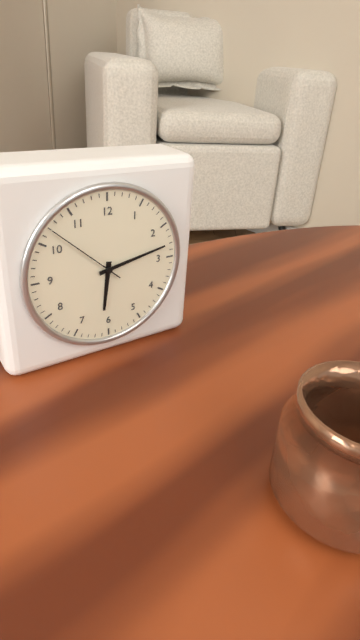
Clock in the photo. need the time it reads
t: 6:13:52
